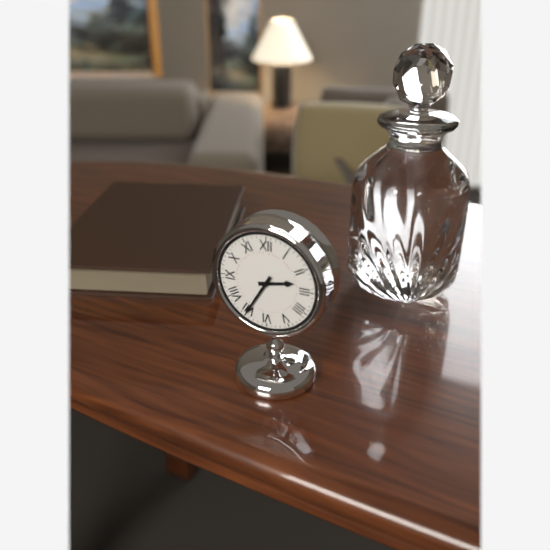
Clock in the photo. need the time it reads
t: 2:35
